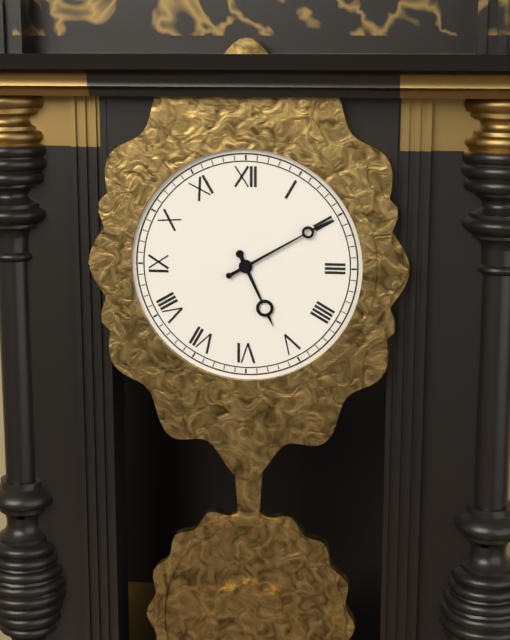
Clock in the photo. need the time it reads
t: 5:10
